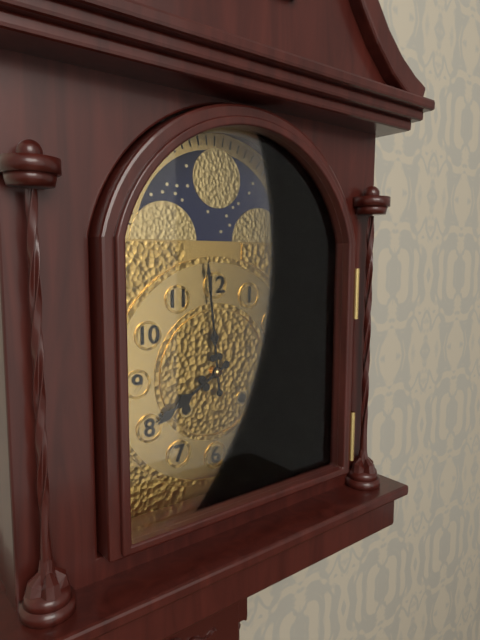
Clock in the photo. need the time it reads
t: 7:59
